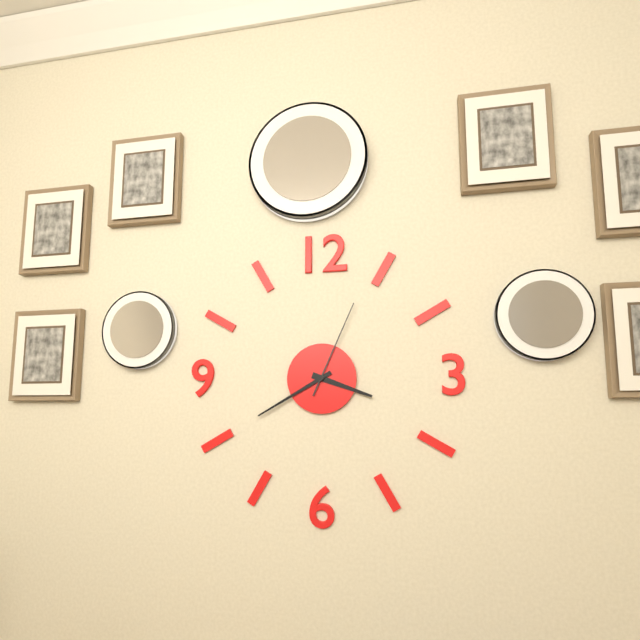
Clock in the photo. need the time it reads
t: 3:40:04
